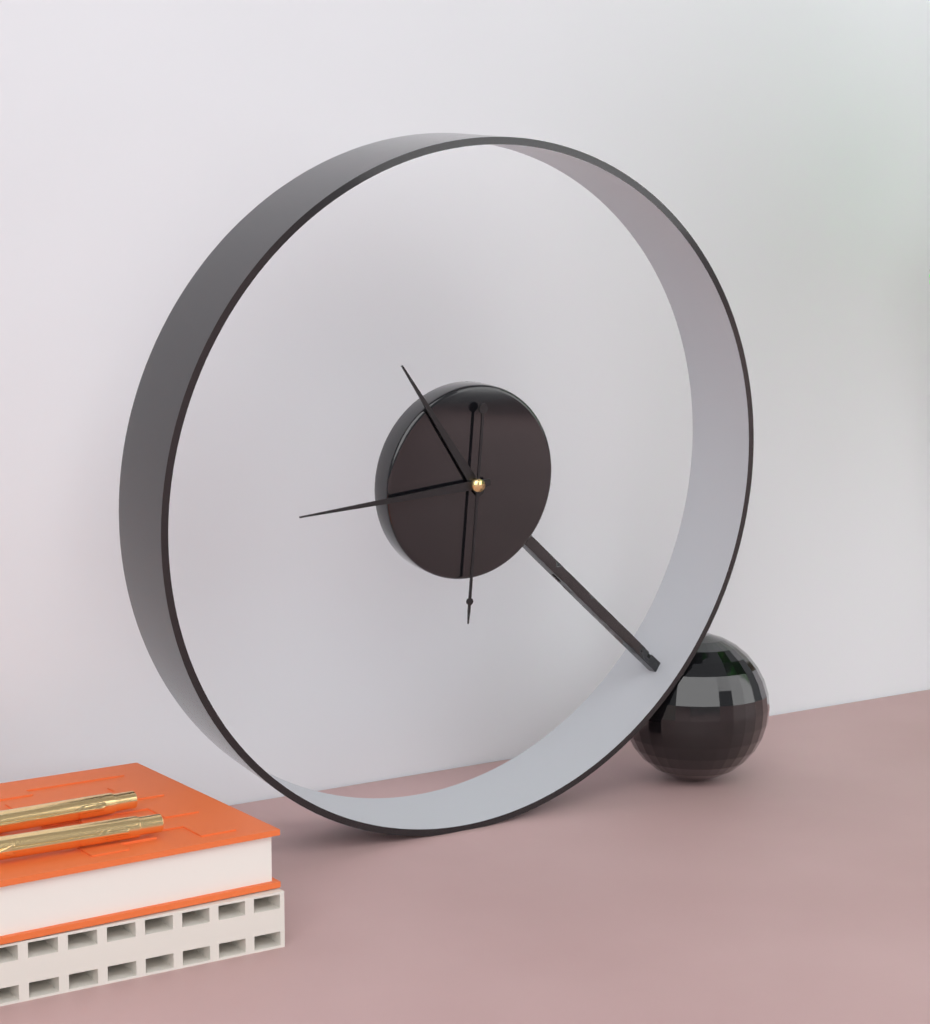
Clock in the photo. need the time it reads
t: 10:44:30
